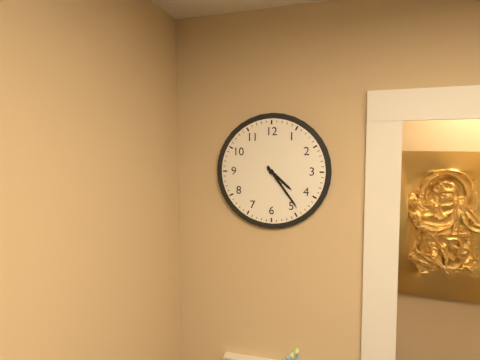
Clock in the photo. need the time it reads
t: 4:24
